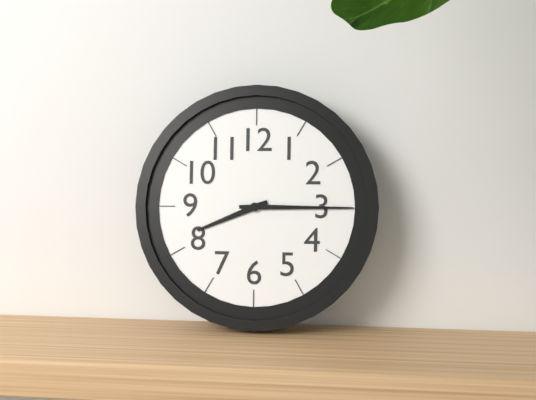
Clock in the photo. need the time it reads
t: 8:15
